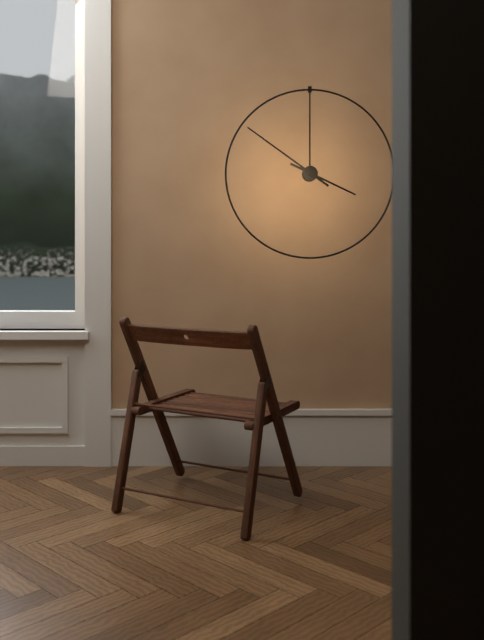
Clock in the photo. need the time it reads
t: 3:51
